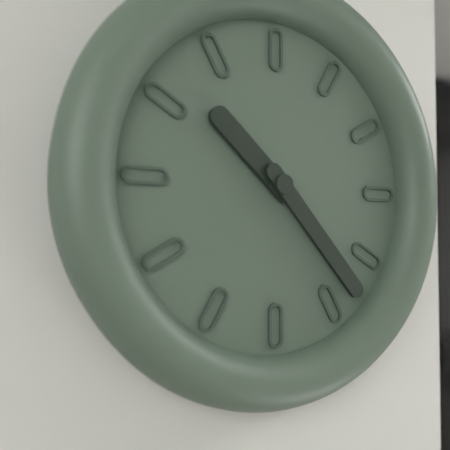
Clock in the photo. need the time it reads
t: 10:23
